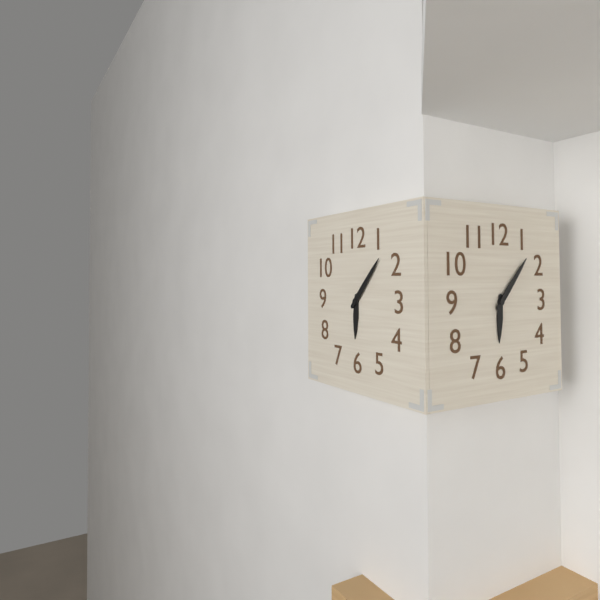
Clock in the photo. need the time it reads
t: 6:07
